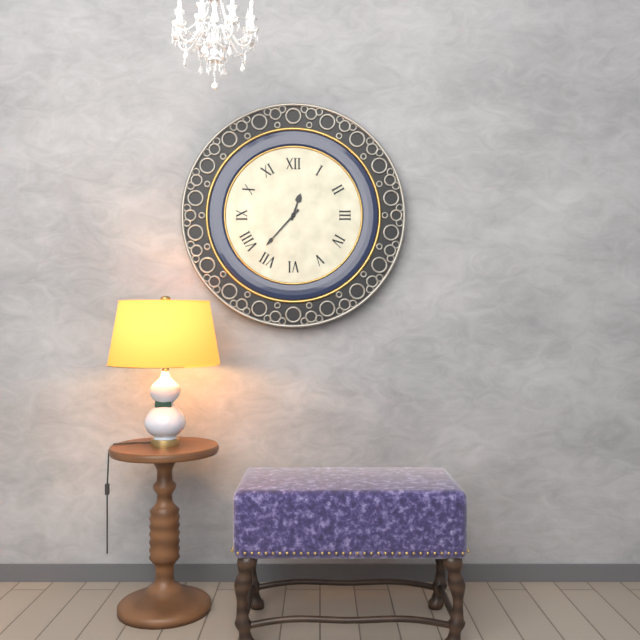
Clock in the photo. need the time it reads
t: 12:37
